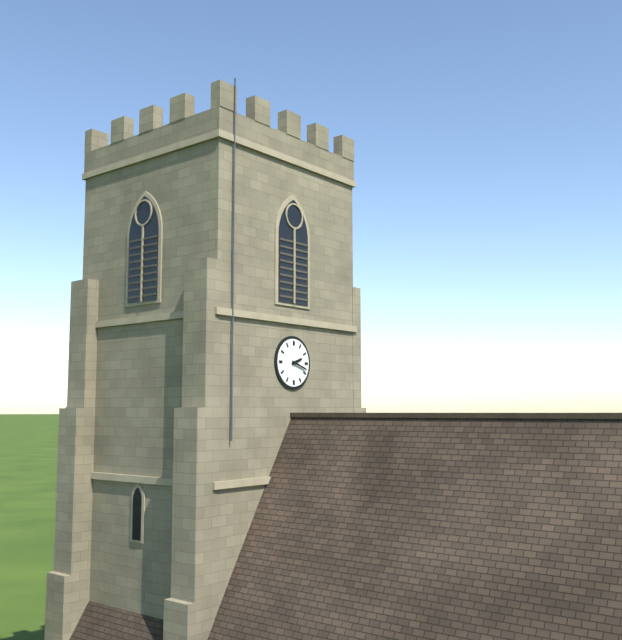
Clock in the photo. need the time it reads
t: 2:18
